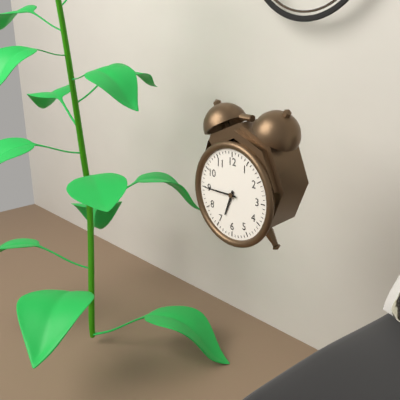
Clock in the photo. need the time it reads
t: 6:45
